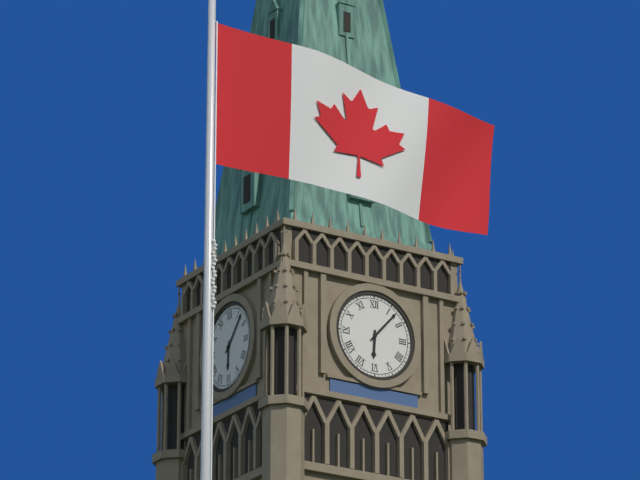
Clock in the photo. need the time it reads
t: 6:07
